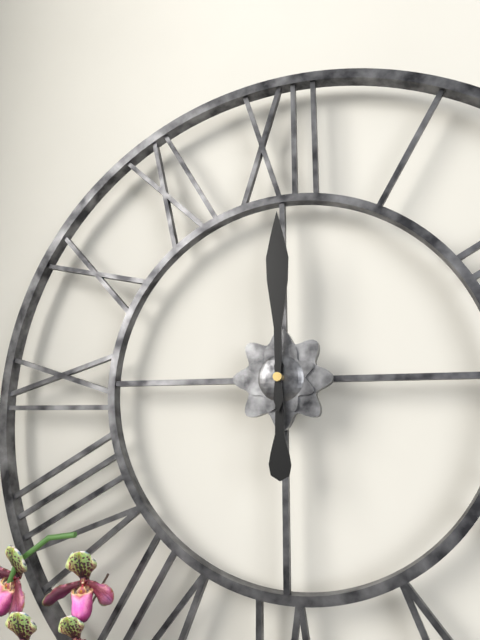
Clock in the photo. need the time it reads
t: 6:00
